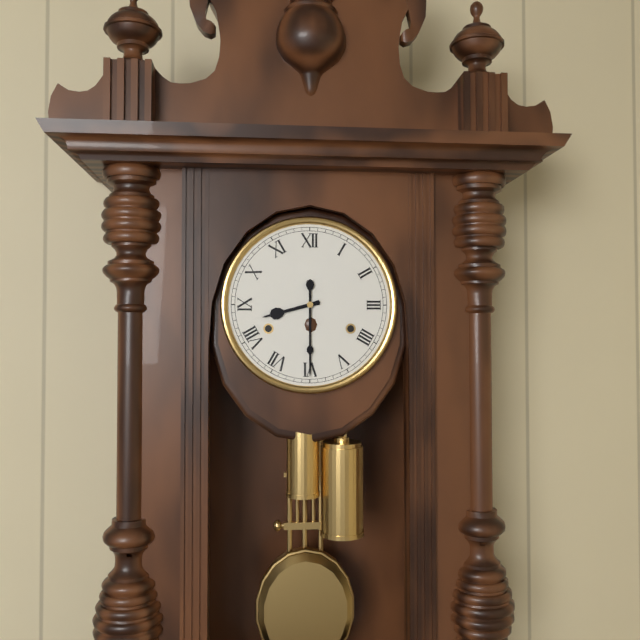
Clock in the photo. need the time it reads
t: 8:30
